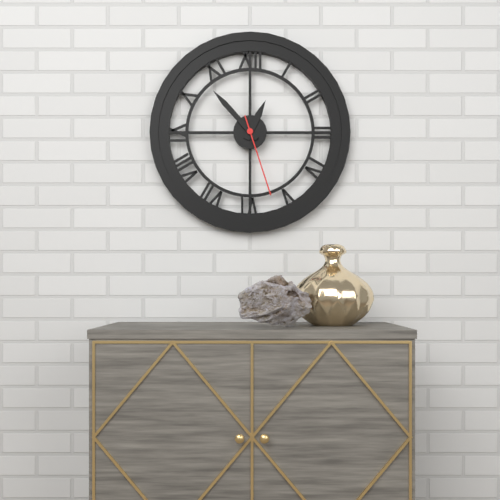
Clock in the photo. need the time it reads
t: 12:53:27
